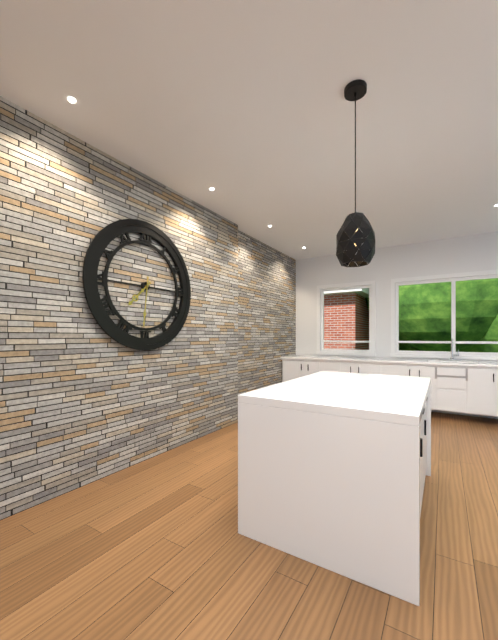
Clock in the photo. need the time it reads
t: 7:31
